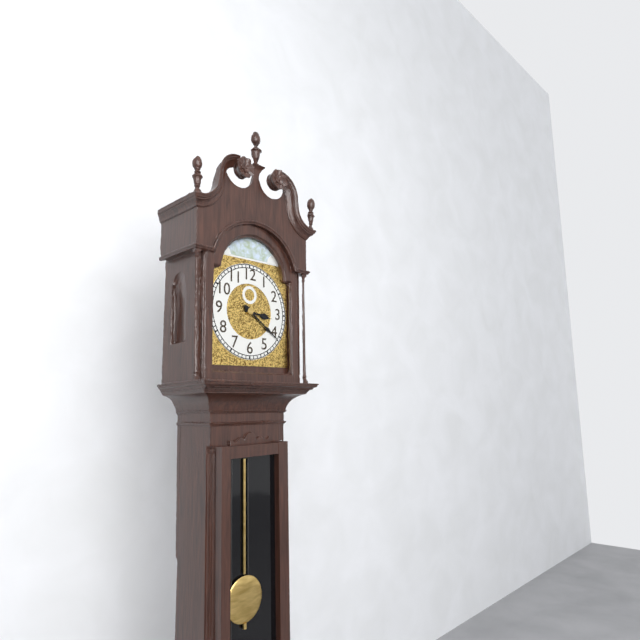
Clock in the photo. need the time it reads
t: 3:21
